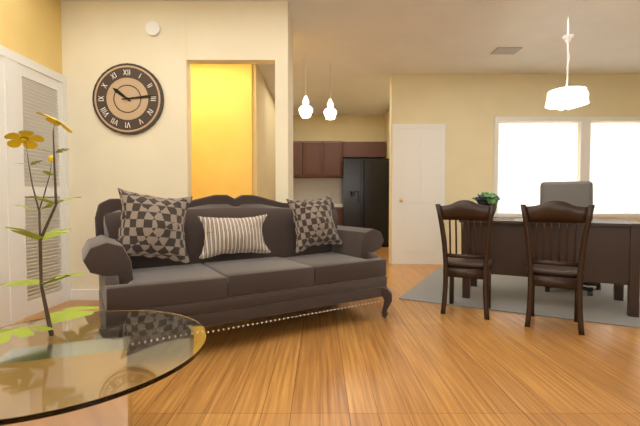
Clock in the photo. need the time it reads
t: 10:14
